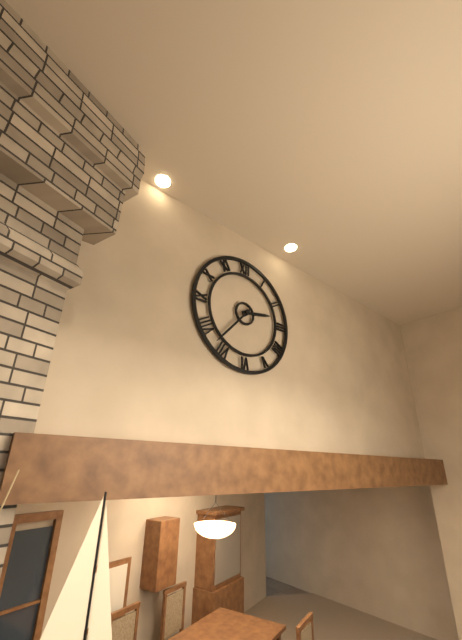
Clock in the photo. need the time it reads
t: 2:37
